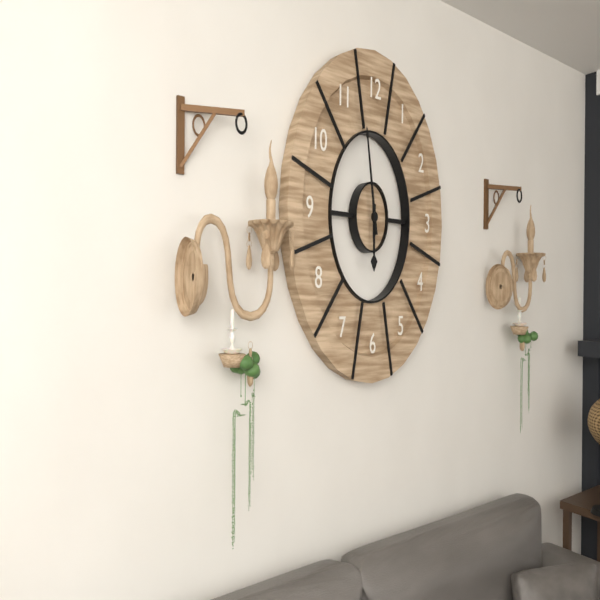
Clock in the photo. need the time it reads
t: 5:58
